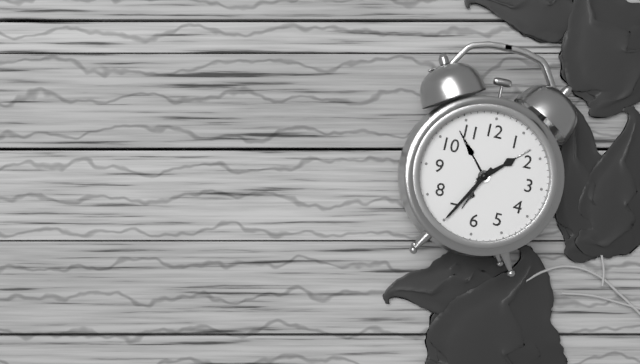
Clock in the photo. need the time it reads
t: 1:35
